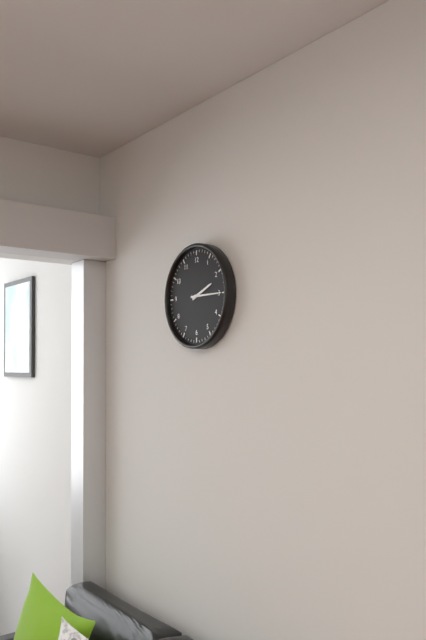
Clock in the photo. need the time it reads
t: 2:15
